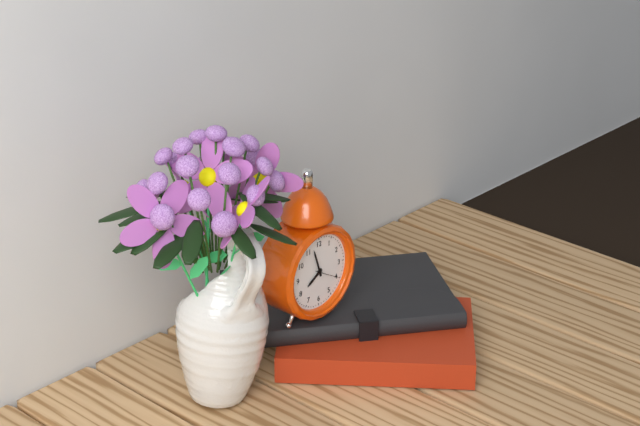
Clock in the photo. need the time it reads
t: 7:57
